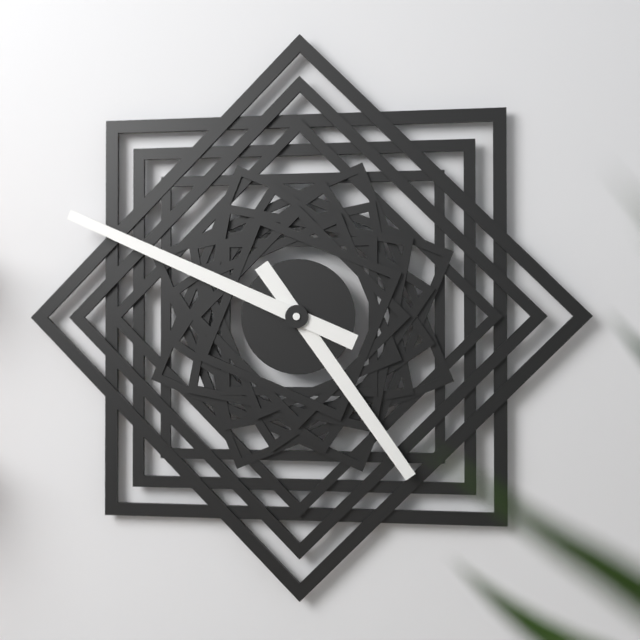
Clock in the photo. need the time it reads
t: 4:49
